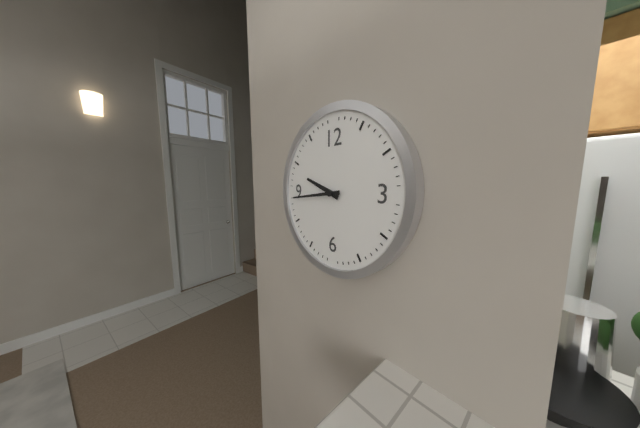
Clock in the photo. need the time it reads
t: 9:44
